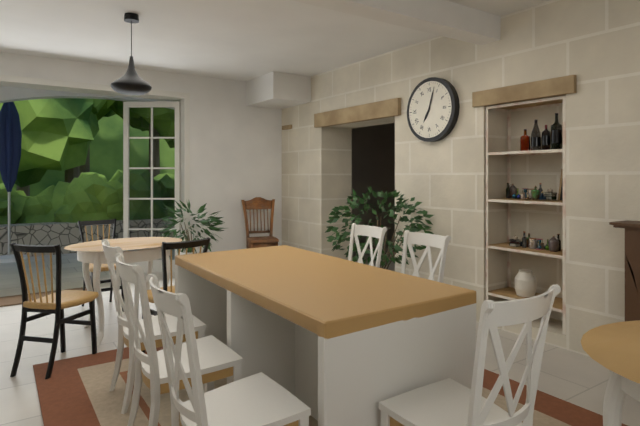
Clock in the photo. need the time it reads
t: 7:03
